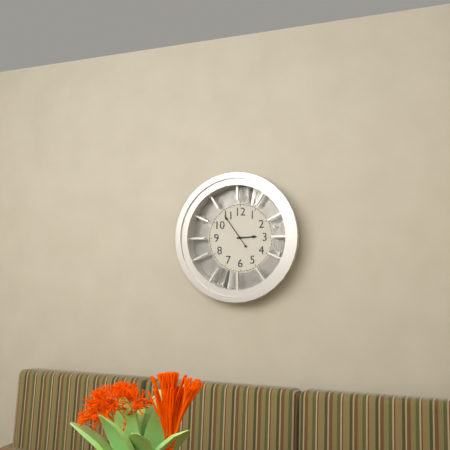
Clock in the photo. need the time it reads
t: 2:54
